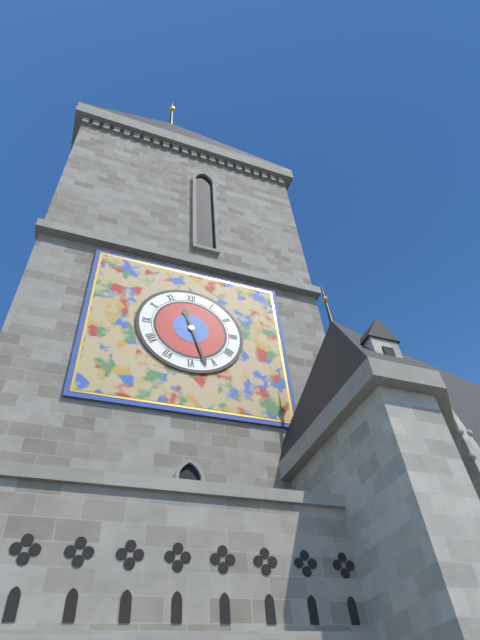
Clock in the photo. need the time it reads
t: 11:27
